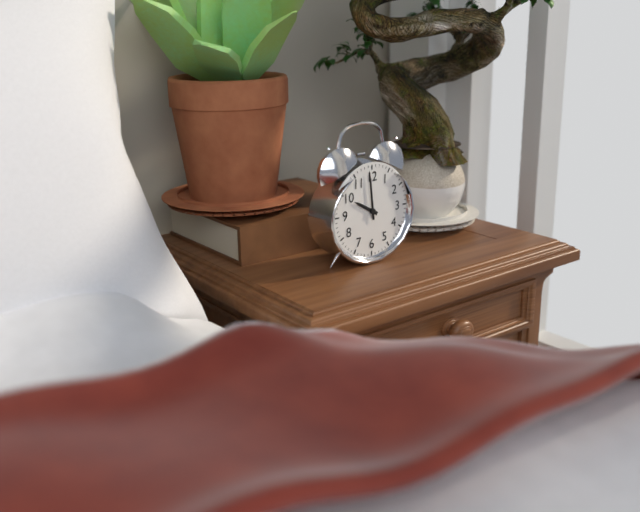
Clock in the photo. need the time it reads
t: 9:59
